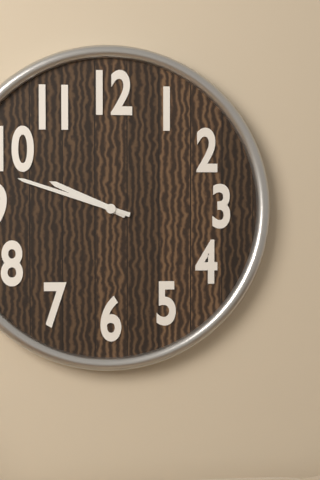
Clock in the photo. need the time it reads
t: 9:48
